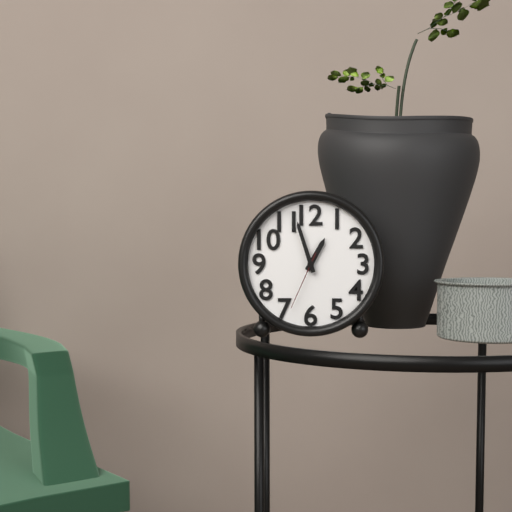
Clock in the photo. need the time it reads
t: 12:57:34
